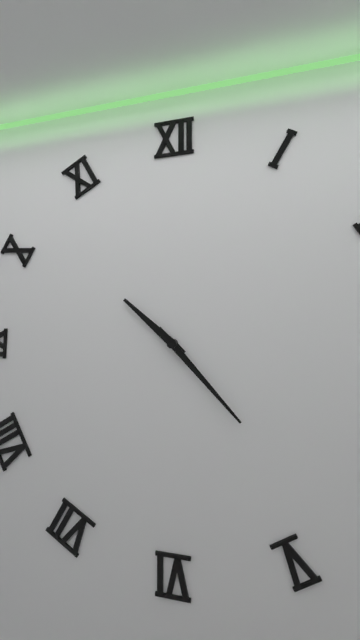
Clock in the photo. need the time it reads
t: 10:23
